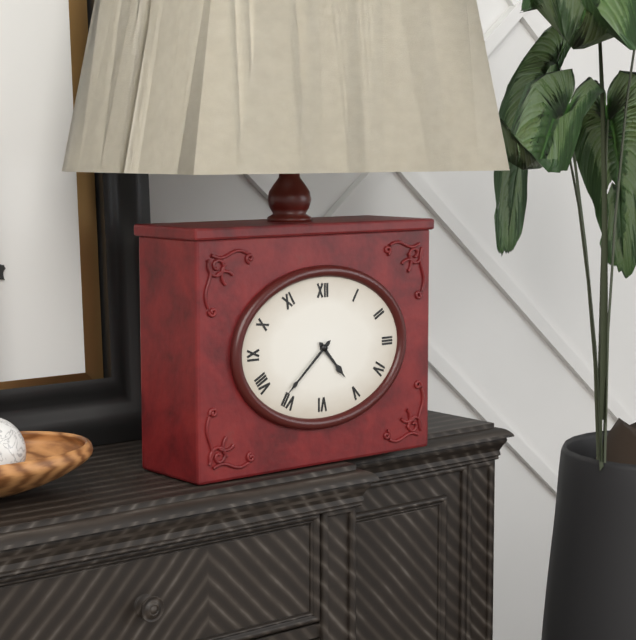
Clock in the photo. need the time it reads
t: 4:38
